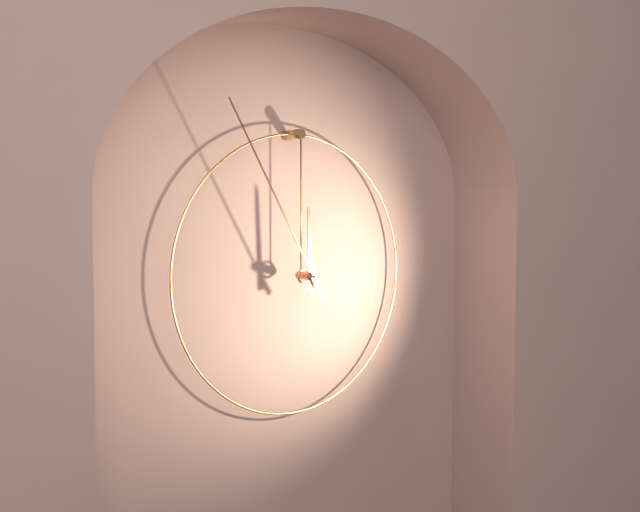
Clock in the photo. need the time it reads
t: 11:55
